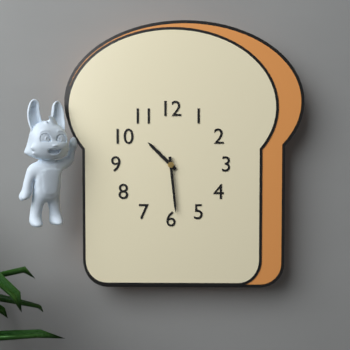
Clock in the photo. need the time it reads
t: 10:29
